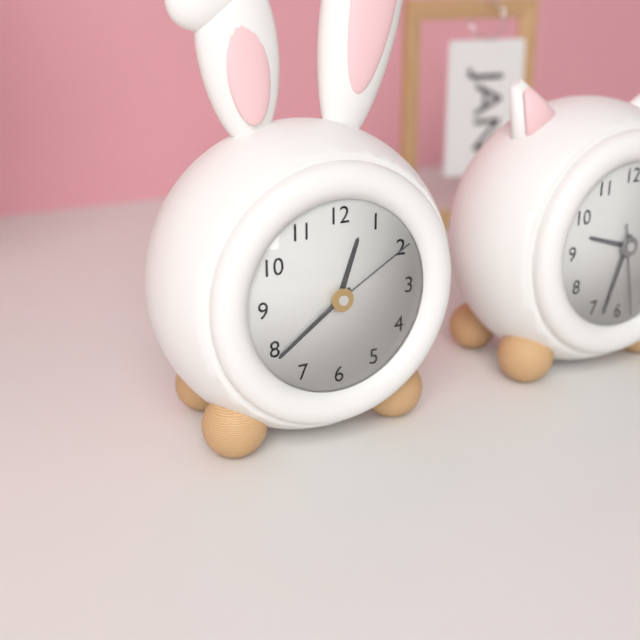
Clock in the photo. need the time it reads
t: 12:39:10
